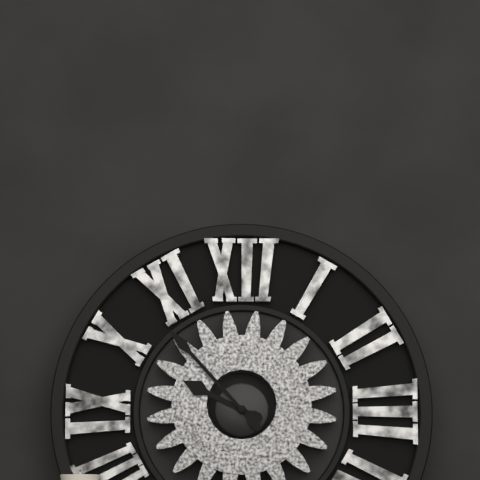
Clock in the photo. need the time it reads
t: 9:53
